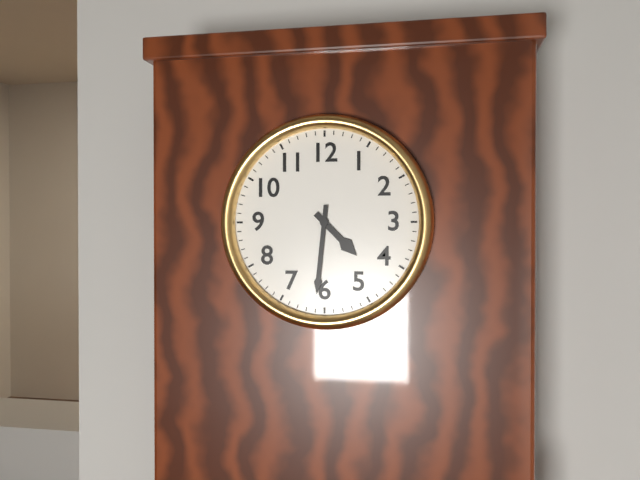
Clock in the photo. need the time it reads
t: 4:31
